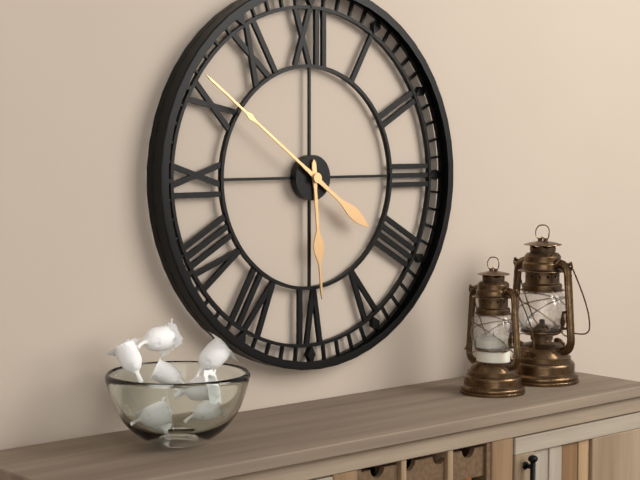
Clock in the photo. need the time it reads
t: 5:51
